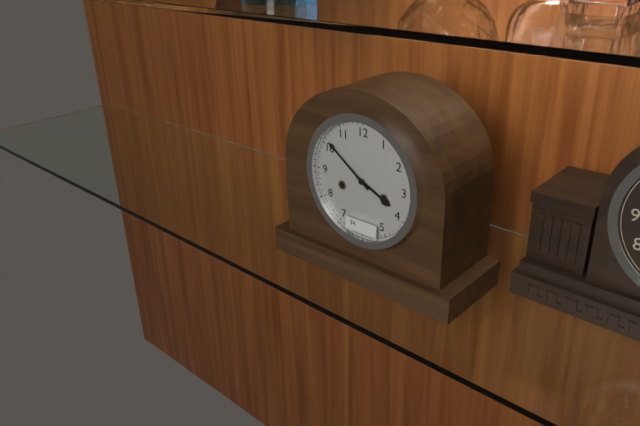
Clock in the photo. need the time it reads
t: 3:51
